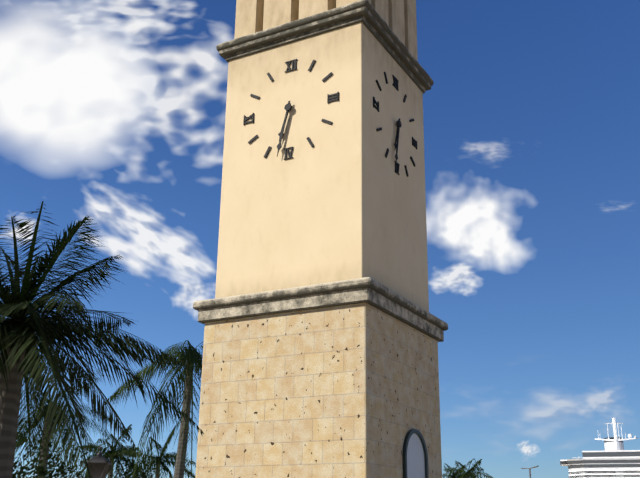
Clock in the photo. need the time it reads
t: 6:32
